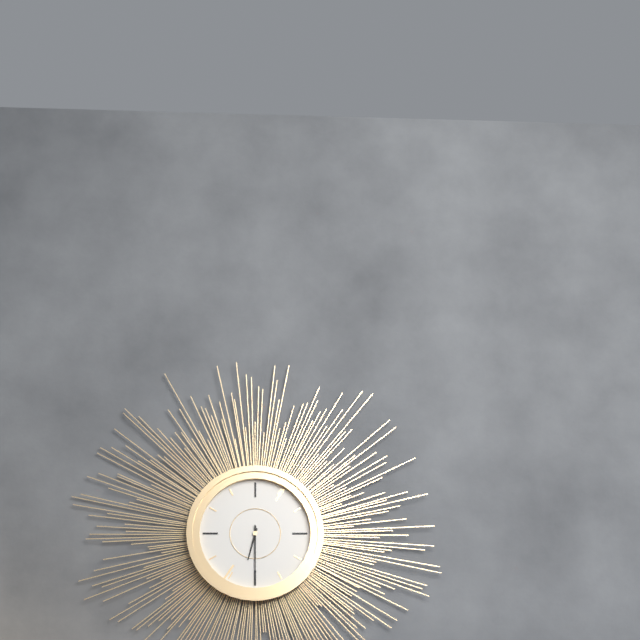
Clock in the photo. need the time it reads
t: 6:30
